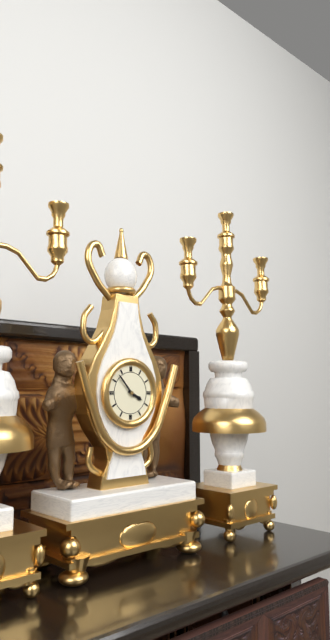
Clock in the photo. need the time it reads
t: 3:53
